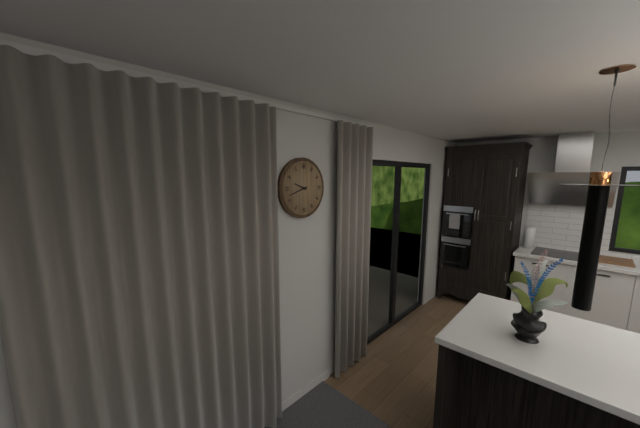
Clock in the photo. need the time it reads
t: 9:42
